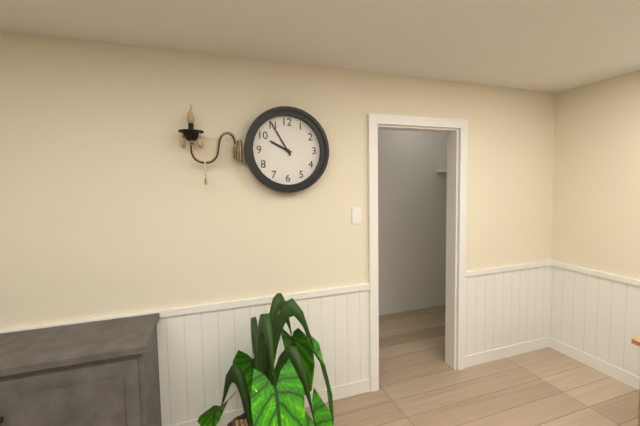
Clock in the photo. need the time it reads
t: 9:55
